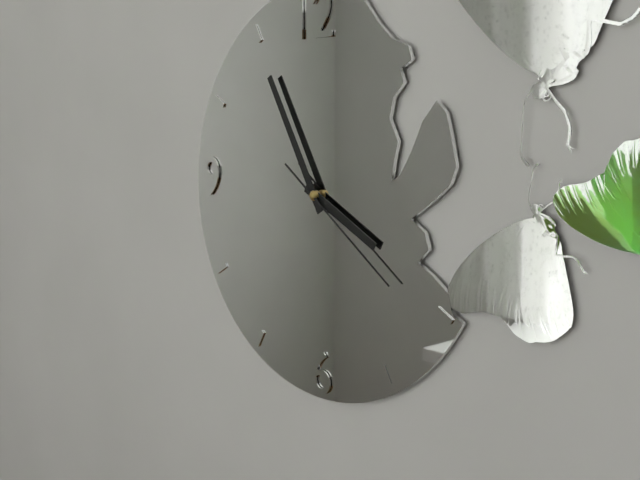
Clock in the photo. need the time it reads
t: 3:55:21
